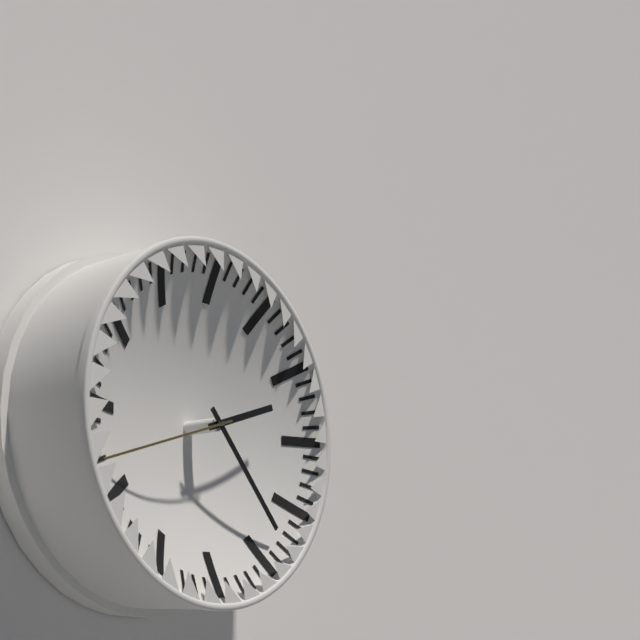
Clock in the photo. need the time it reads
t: 2:23:42
